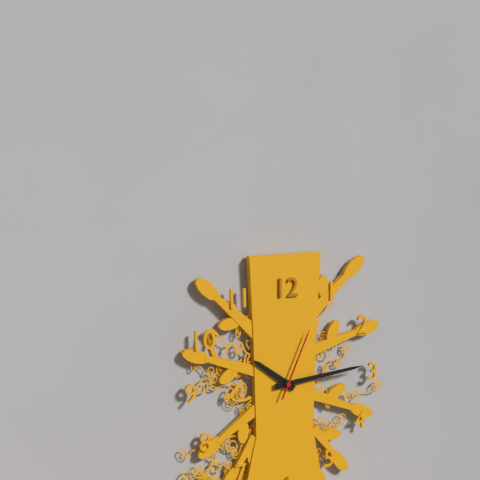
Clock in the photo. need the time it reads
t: 10:14:04
